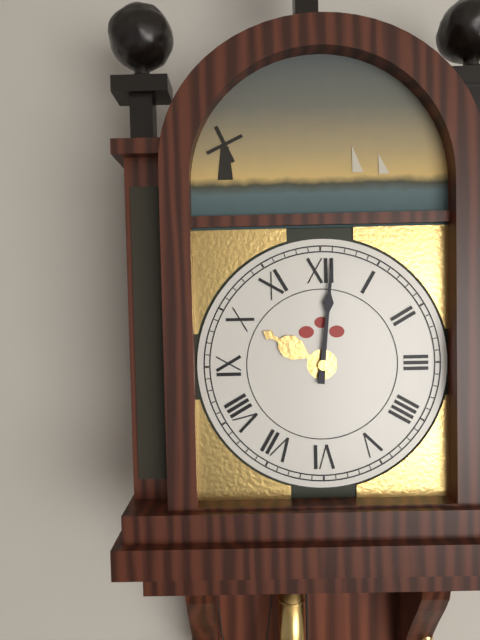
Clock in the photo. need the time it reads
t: 10:01
